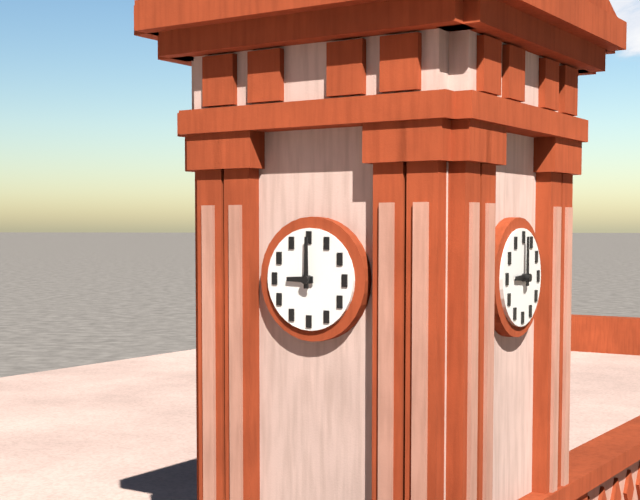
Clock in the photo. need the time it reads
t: 9:00
